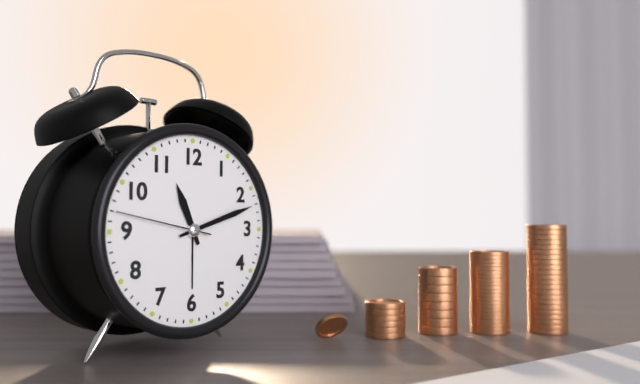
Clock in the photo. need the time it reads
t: 11:12:47
